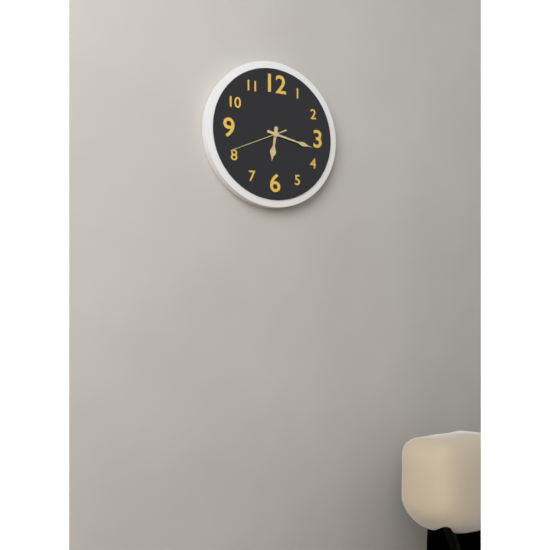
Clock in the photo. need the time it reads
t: 6:17:41
